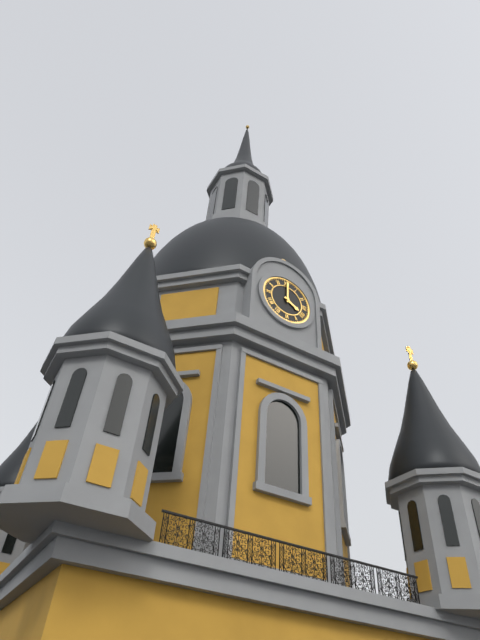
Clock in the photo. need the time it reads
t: 4:00
